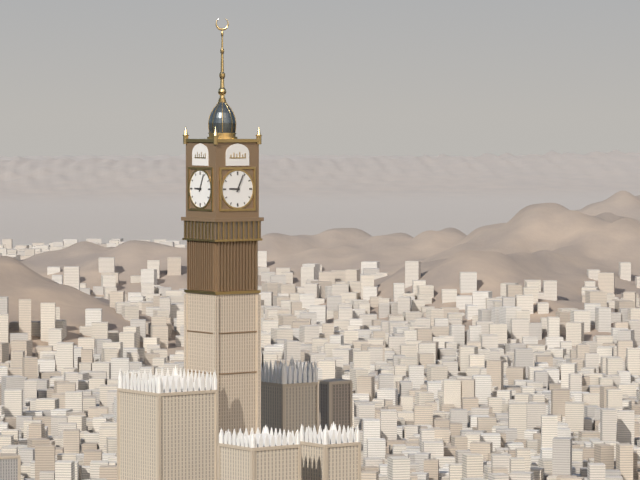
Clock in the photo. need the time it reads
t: 9:04
